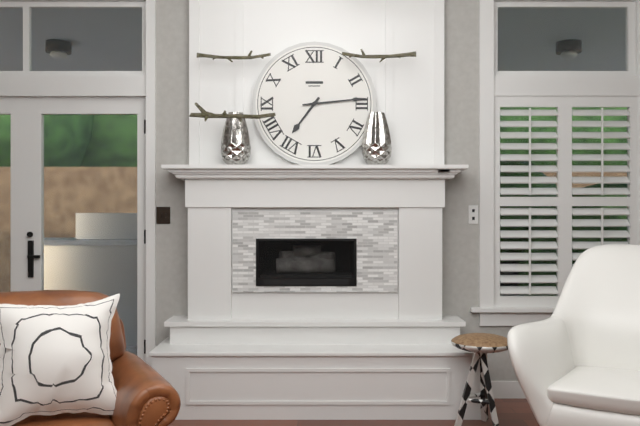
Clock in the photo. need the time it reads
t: 7:14
